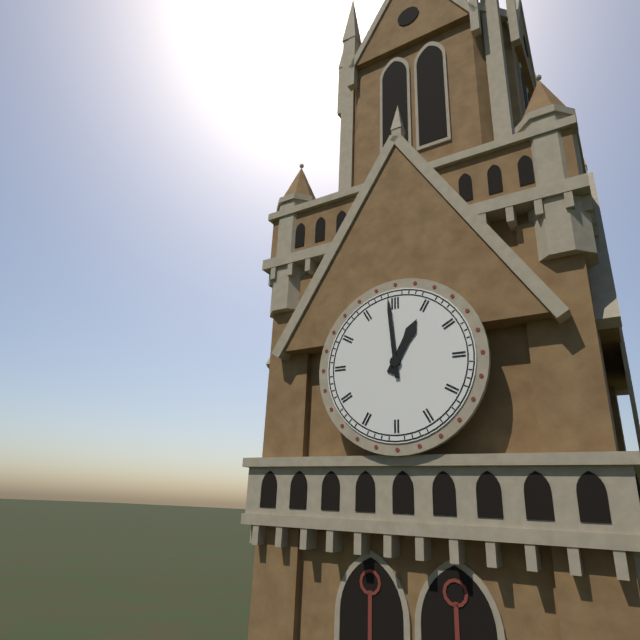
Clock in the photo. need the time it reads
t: 12:59
